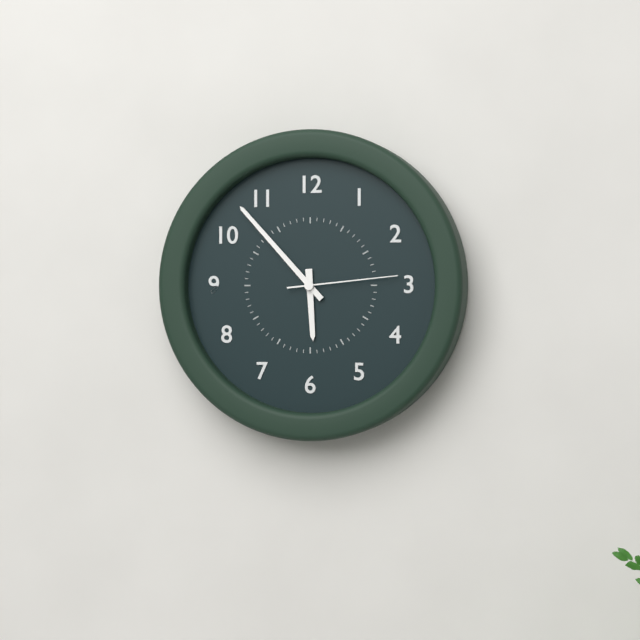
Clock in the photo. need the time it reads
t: 5:53:14
